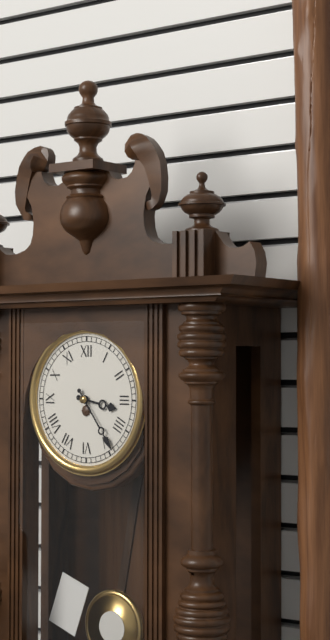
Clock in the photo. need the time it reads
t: 3:24
